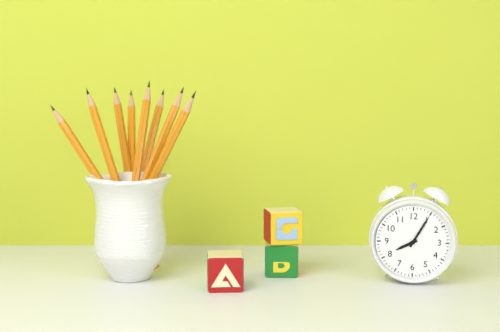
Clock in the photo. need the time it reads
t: 8:05
